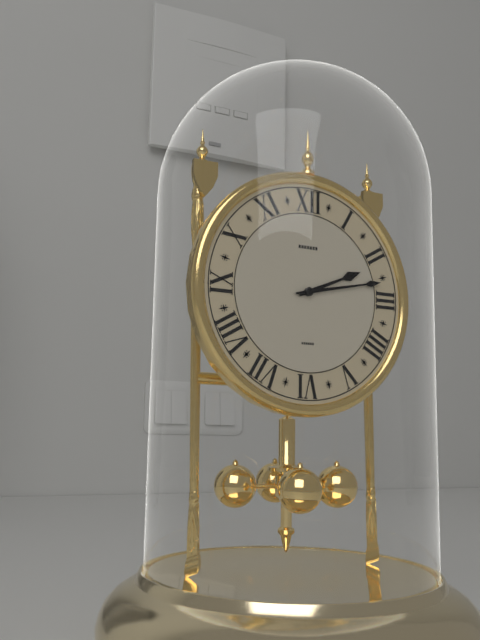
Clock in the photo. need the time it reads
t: 2:13
